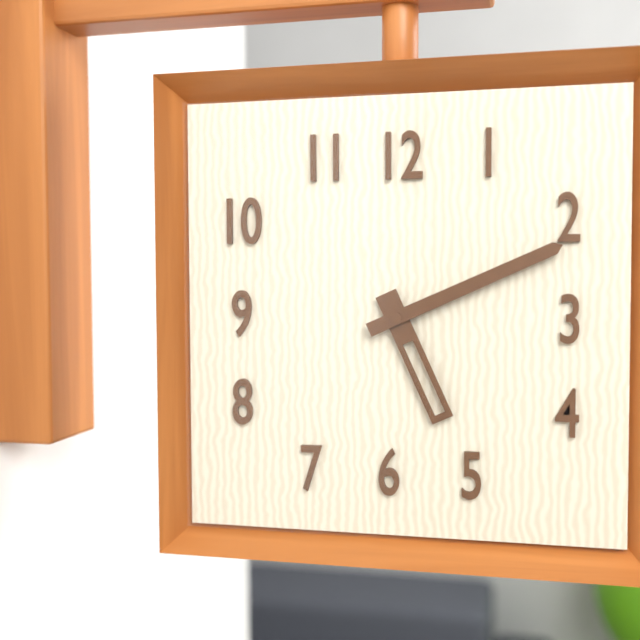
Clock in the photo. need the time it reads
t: 5:11
